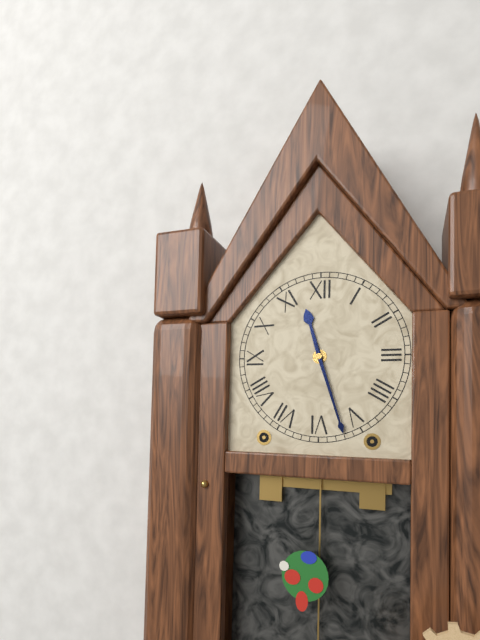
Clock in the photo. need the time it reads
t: 11:27
